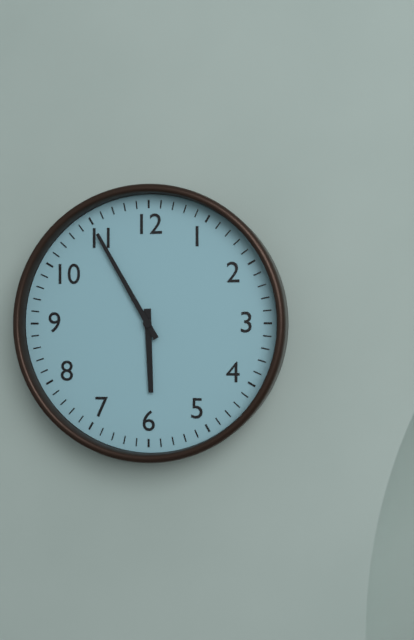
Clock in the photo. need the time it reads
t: 5:55
